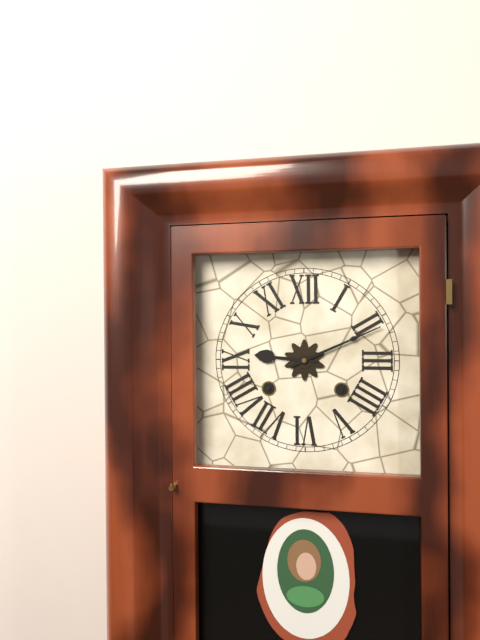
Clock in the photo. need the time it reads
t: 9:11
